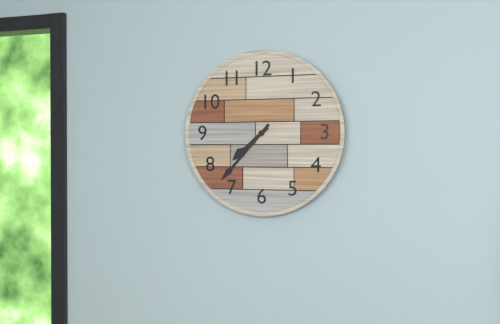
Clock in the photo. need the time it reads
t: 7:37
